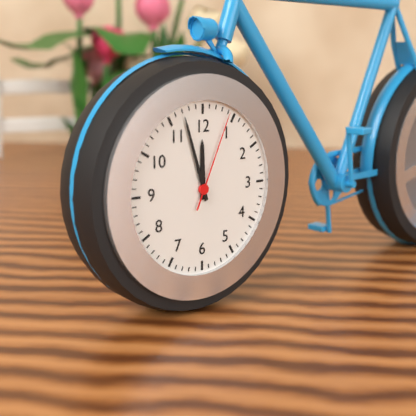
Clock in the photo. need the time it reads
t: 11:57:04
